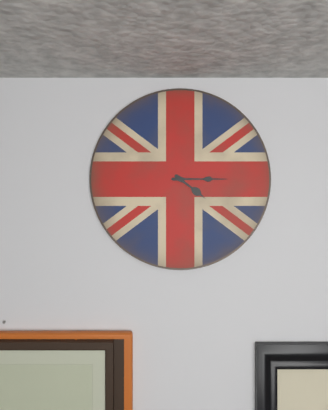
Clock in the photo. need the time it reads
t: 4:15
